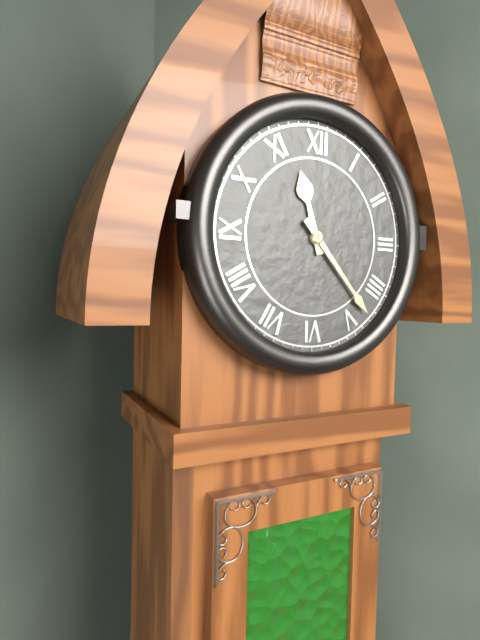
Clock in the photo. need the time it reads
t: 11:23
